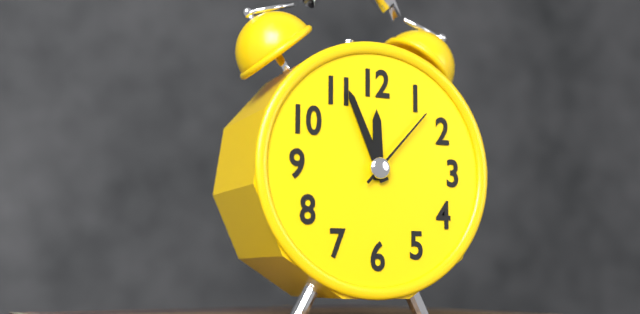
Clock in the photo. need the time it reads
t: 11:56:07
